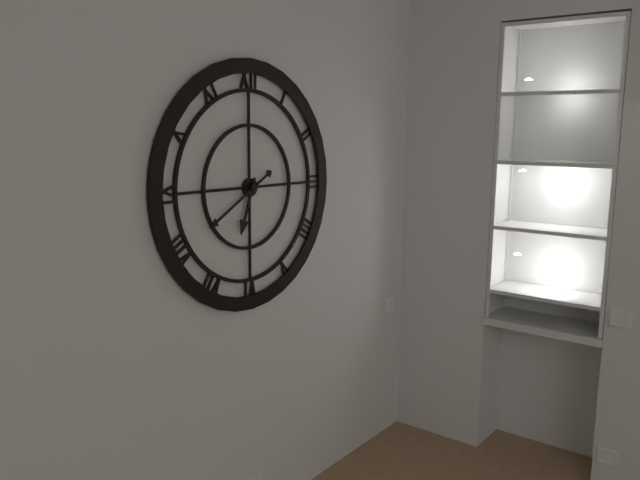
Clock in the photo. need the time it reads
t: 6:40
